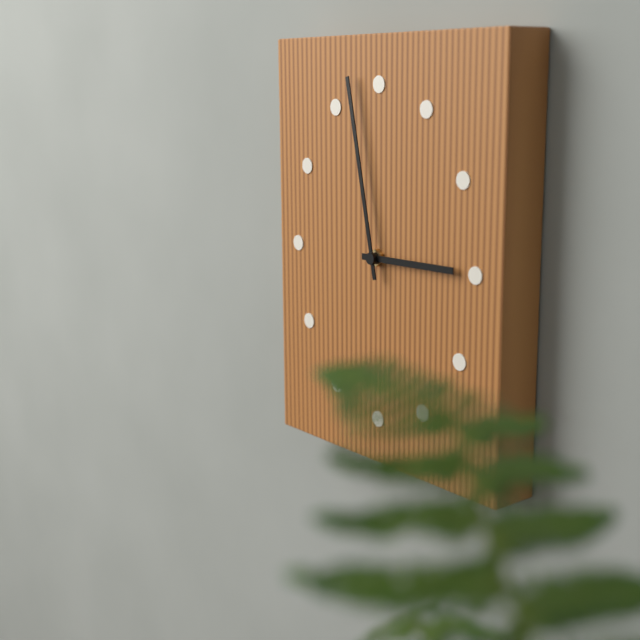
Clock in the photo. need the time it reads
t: 2:58
